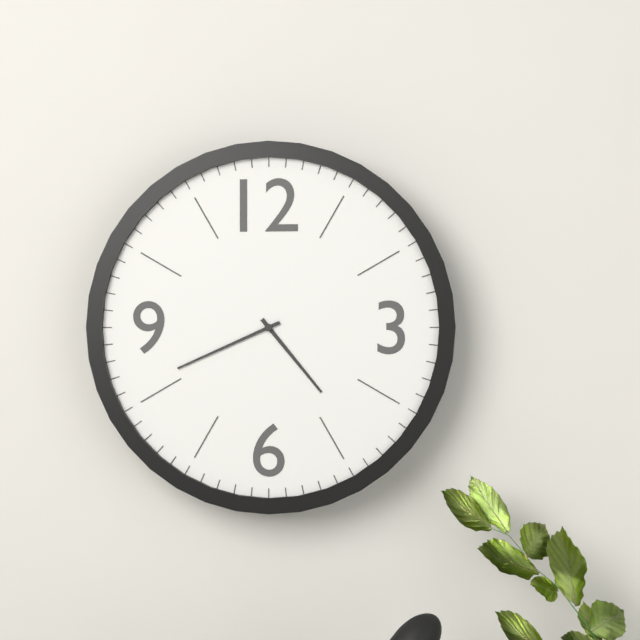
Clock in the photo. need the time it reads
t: 4:41
